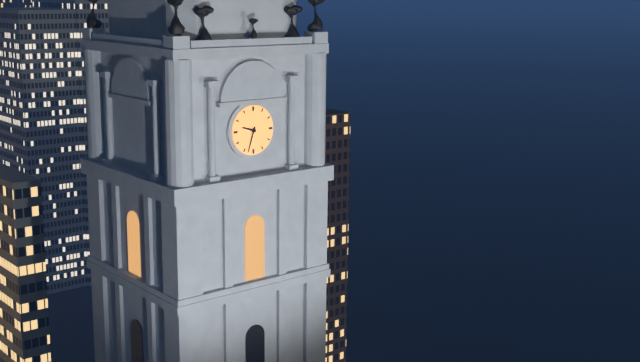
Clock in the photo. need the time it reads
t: 9:33
